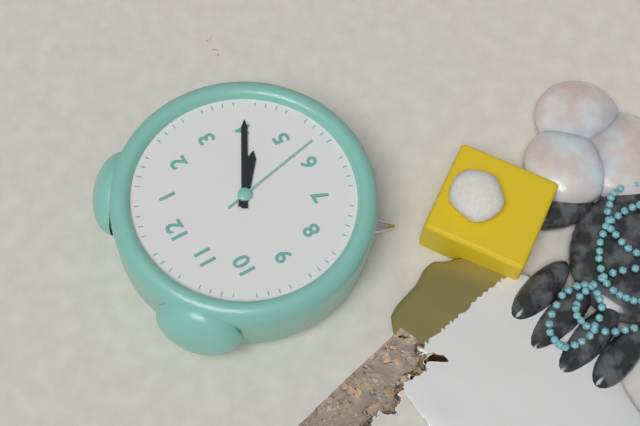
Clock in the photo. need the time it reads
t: 4:20:28
